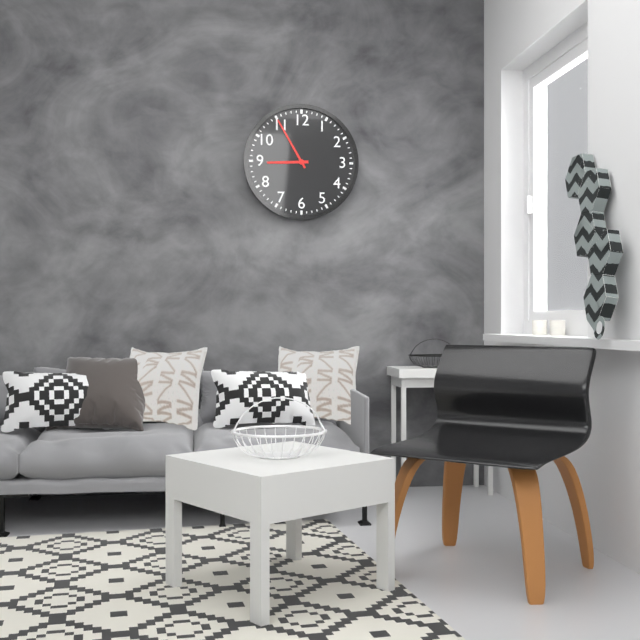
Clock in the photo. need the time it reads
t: 8:55
